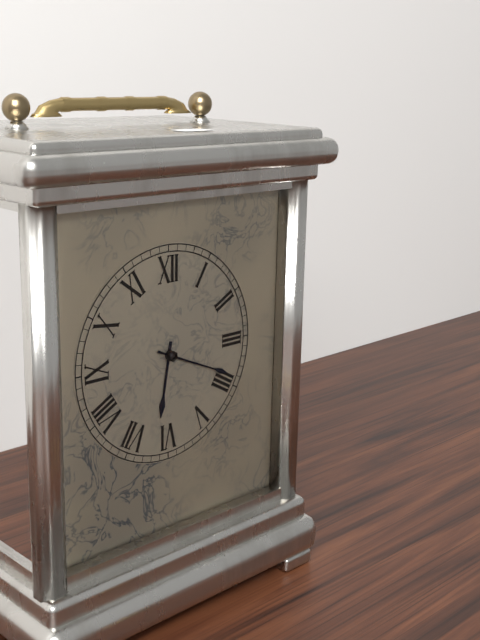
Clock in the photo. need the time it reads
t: 6:19
